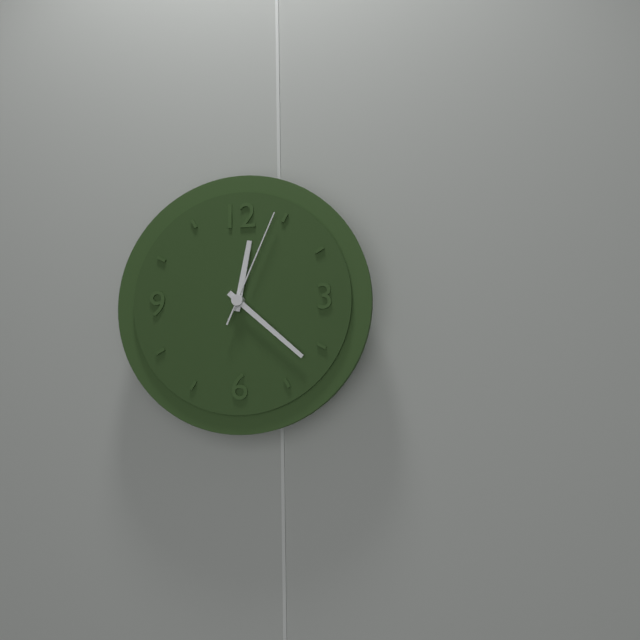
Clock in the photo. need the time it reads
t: 12:22:04
